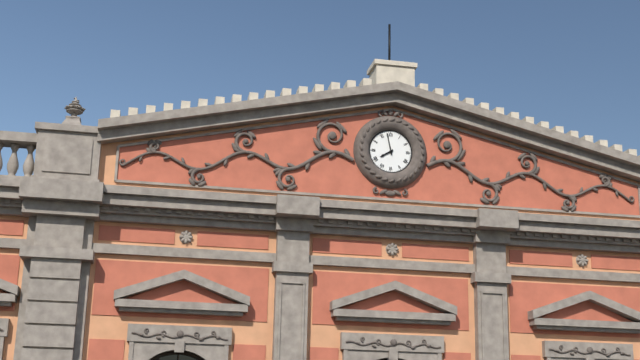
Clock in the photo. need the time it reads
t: 7:58
